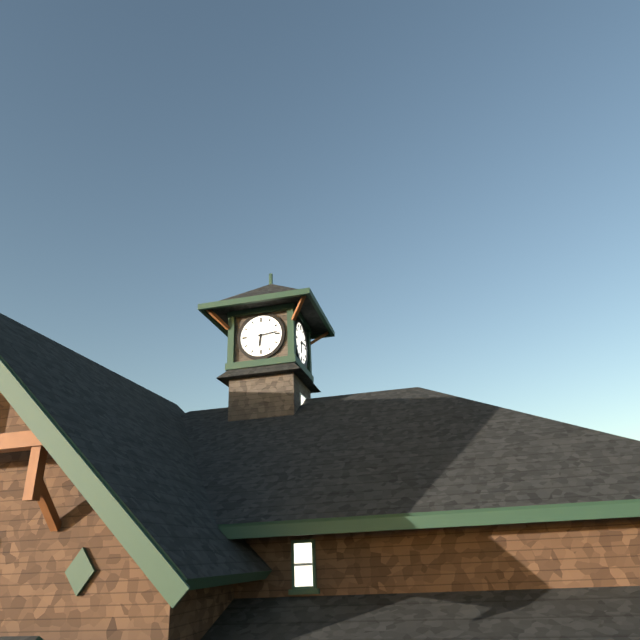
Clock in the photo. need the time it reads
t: 6:14
